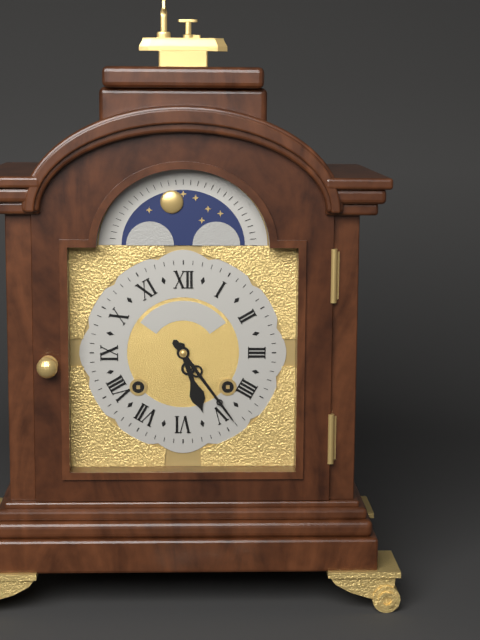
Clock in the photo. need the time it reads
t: 5:24
